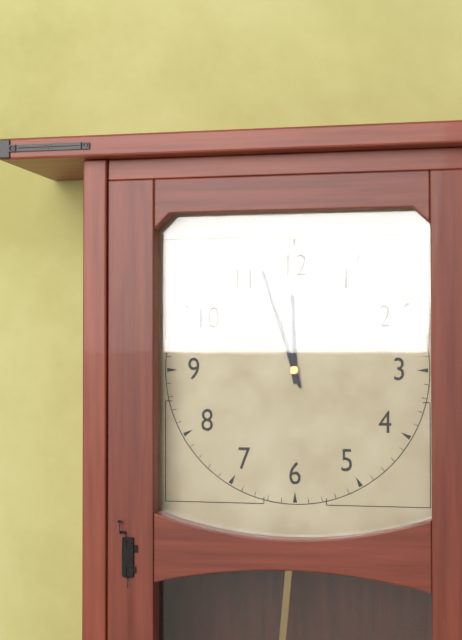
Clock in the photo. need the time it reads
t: 11:57
